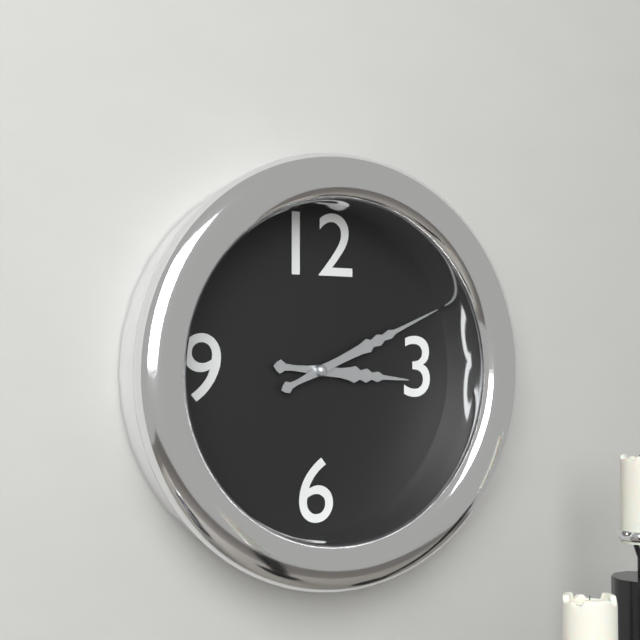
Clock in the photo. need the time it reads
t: 3:11
